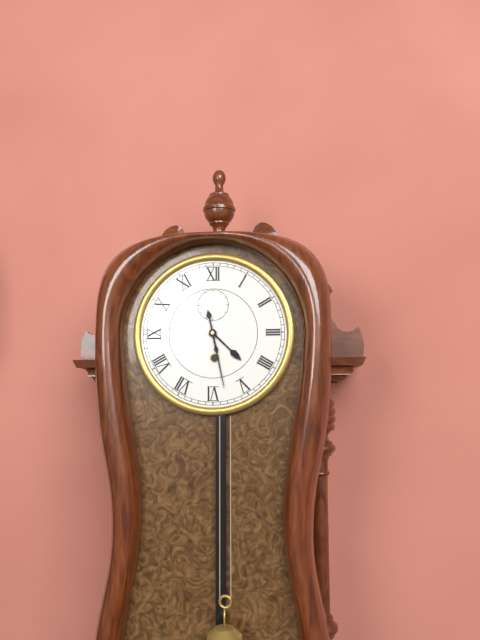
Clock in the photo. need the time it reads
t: 4:28
